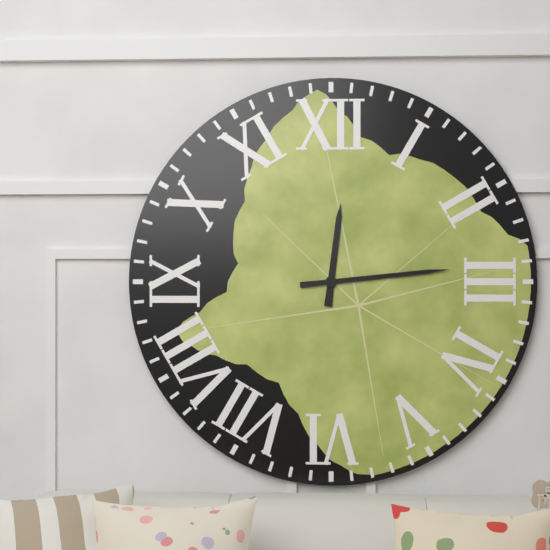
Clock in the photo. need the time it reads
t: 12:14
